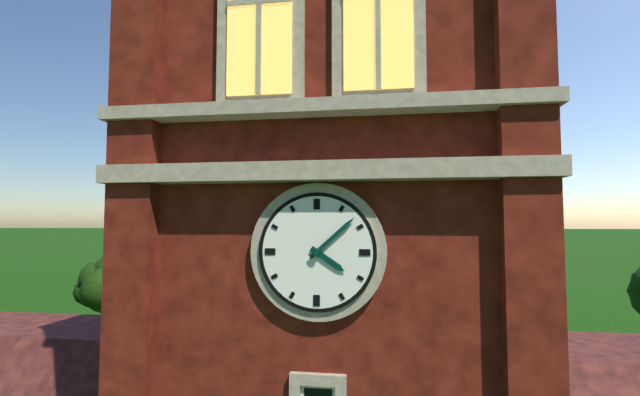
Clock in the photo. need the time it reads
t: 4:08
